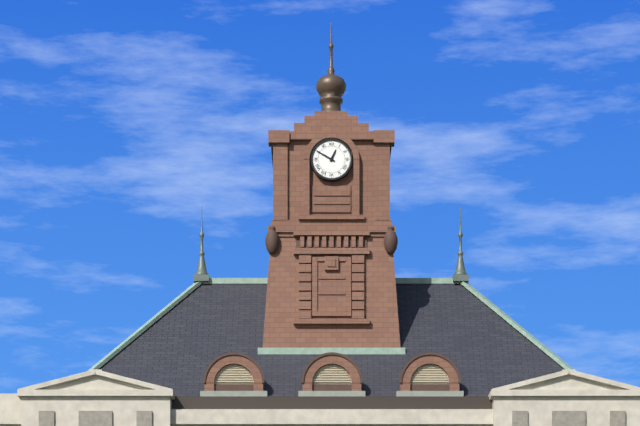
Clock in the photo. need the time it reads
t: 12:50
